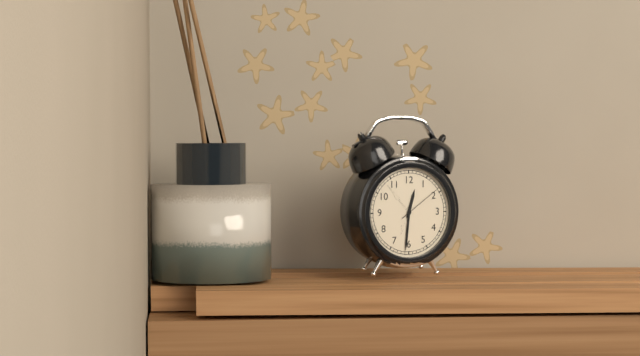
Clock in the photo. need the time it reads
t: 12:31
